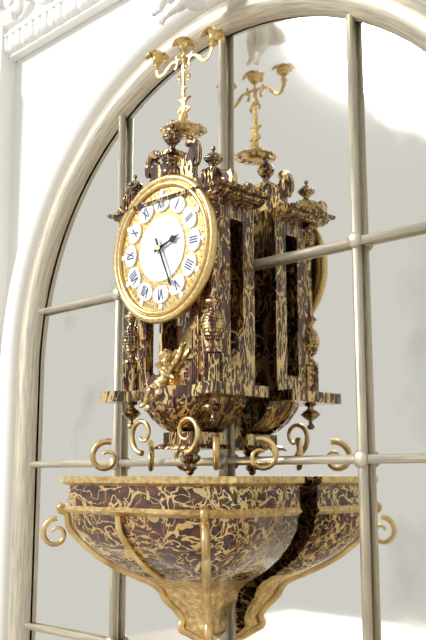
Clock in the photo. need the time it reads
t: 2:26
